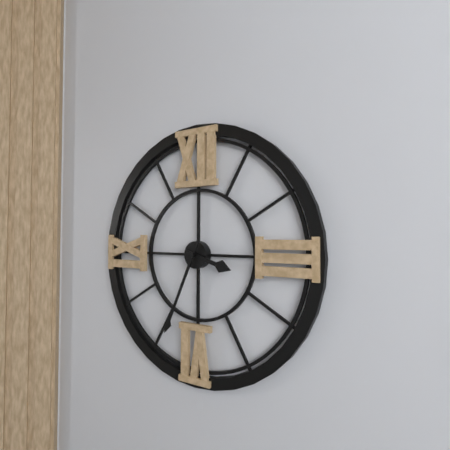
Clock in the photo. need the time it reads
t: 3:34
